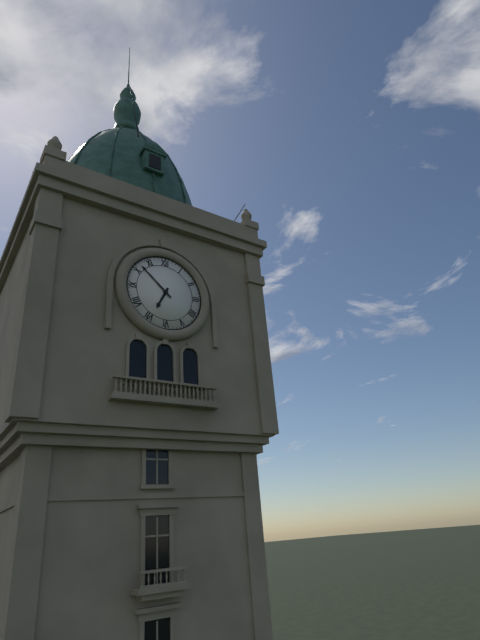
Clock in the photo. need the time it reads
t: 6:52
